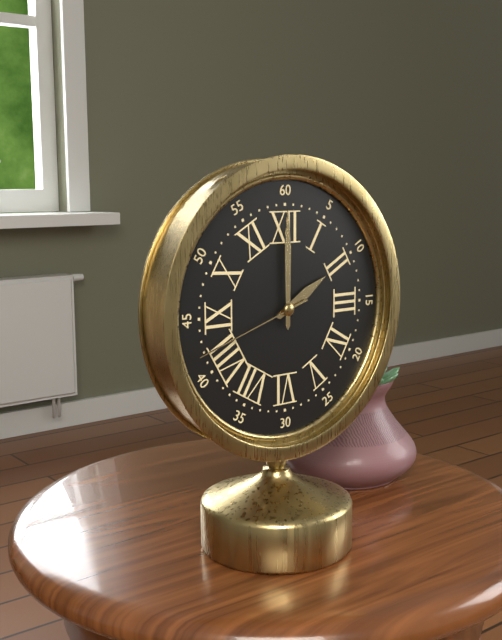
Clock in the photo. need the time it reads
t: 2:00:42
